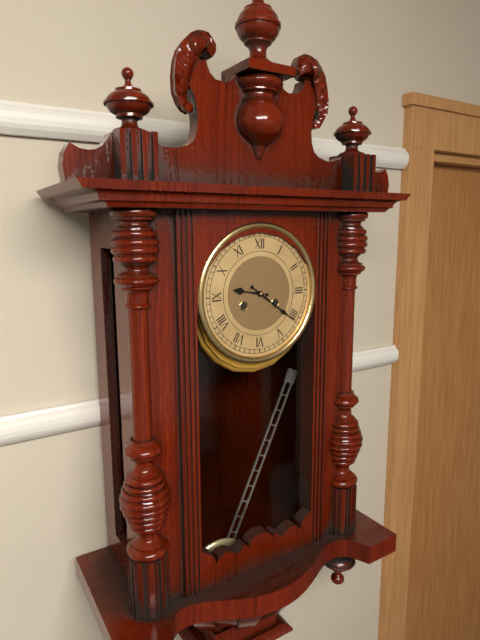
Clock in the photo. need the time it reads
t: 9:21
